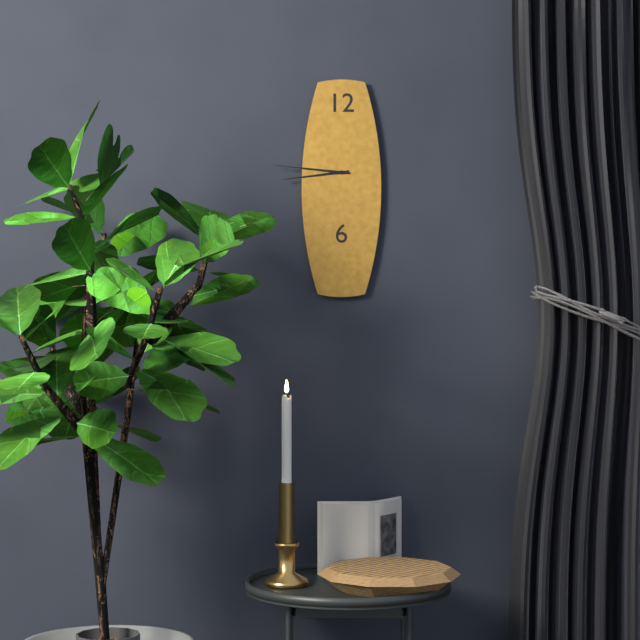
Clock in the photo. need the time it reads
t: 8:46
